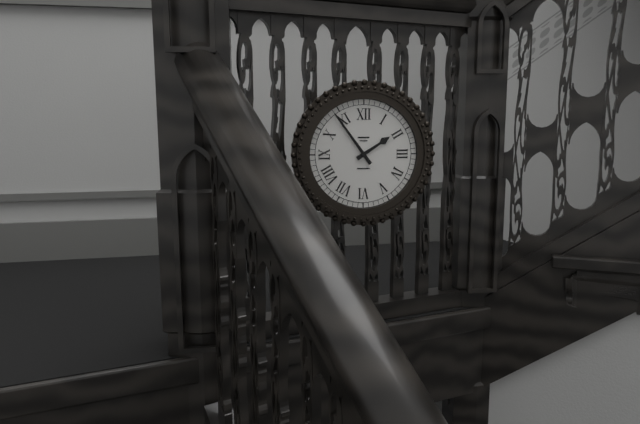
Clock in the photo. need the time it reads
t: 1:54
